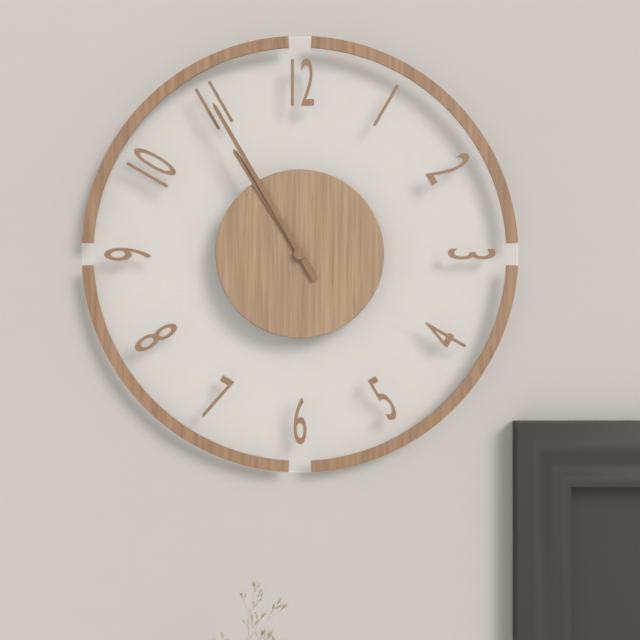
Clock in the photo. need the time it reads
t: 10:55
